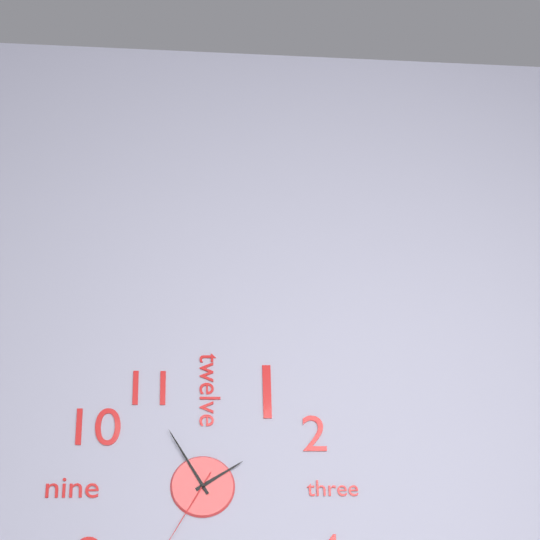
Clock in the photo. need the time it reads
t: 1:55
